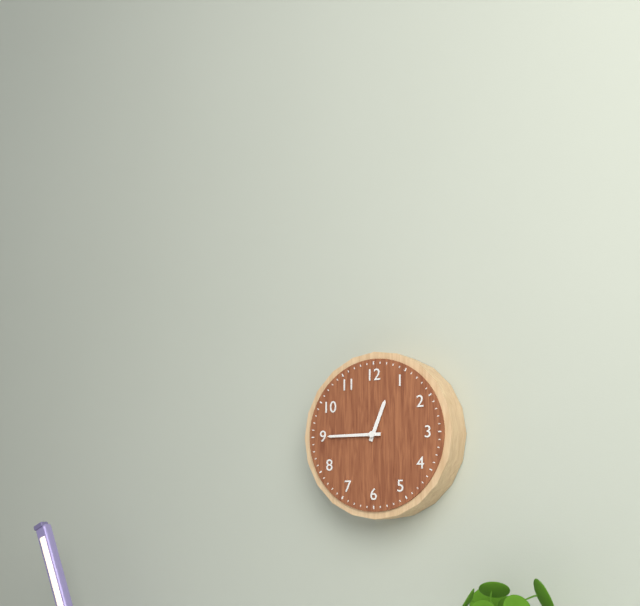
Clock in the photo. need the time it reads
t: 12:45
